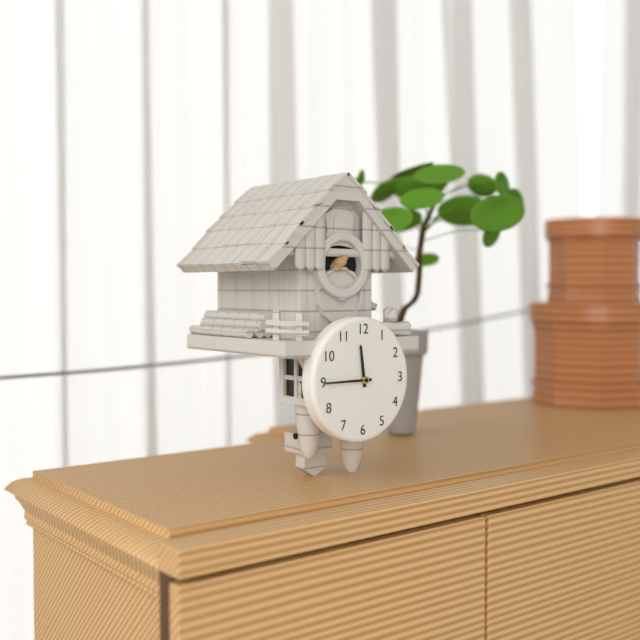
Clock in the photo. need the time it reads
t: 11:45
